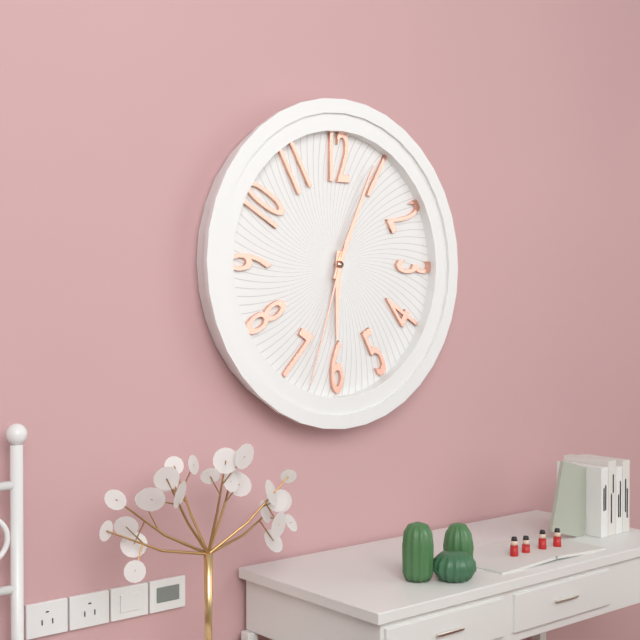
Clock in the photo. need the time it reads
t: 6:04:33
